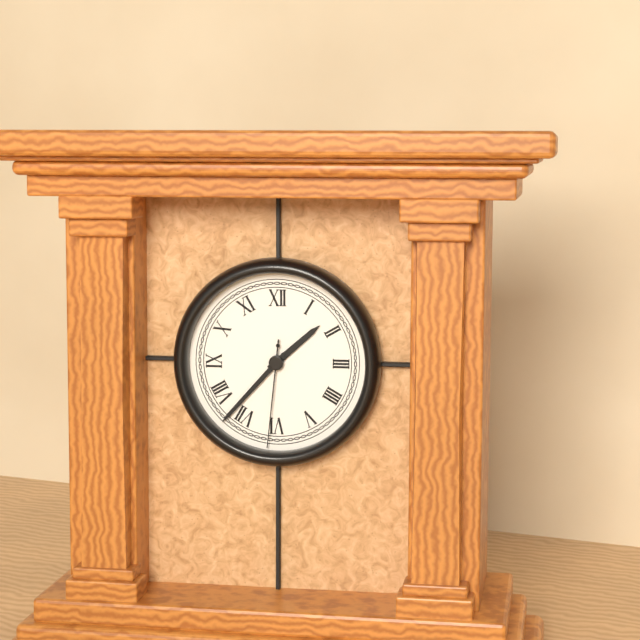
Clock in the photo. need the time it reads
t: 1:37:31
